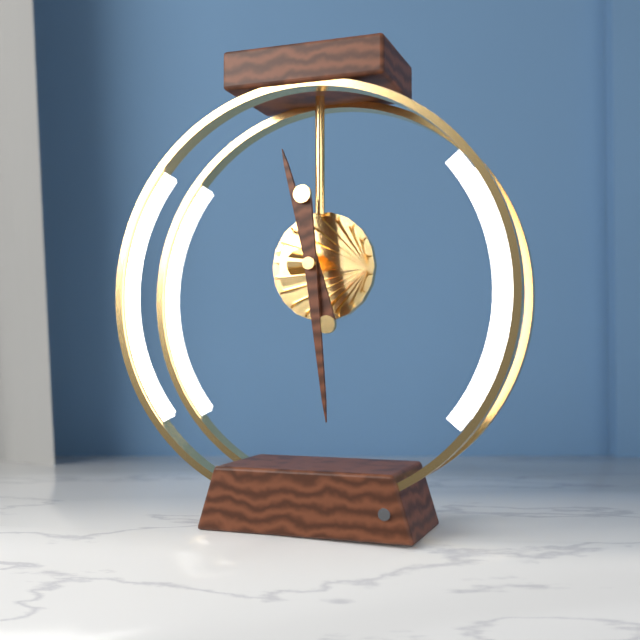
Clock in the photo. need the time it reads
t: 11:29
